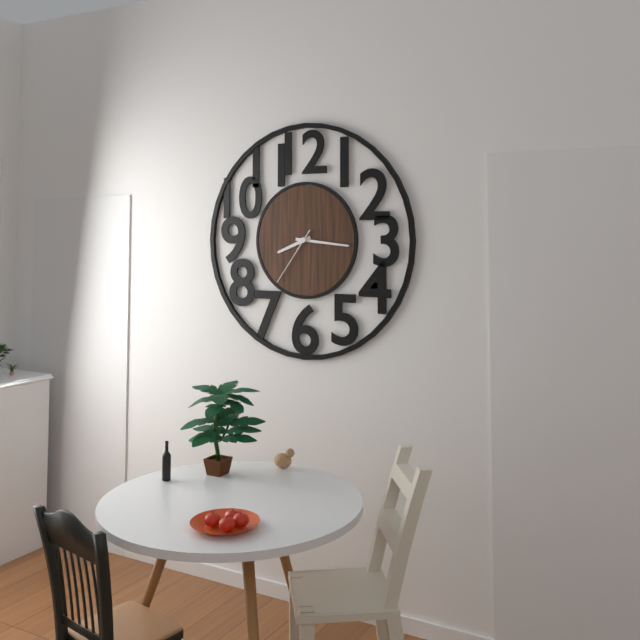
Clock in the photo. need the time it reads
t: 8:16:36
